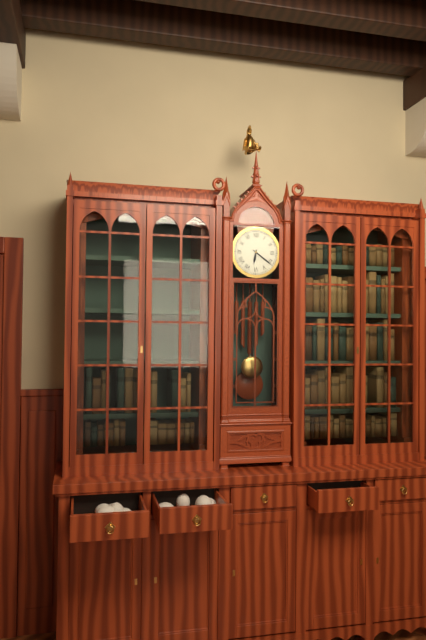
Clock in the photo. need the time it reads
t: 6:21
